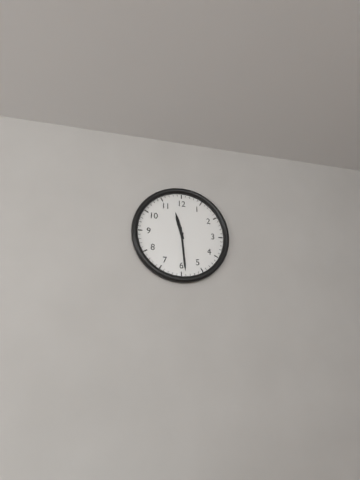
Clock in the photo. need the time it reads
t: 11:29
